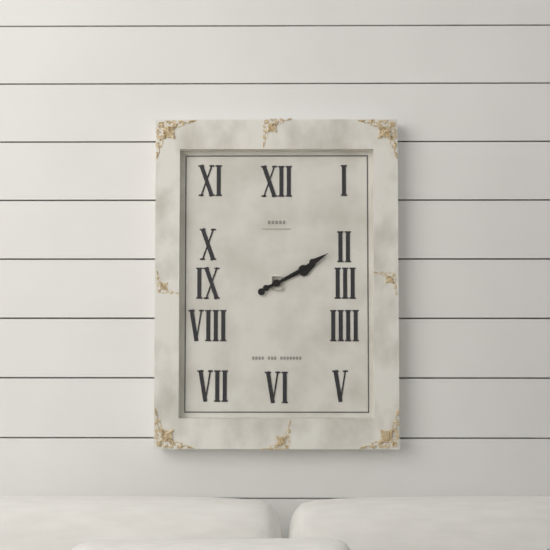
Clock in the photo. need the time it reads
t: 2:10
